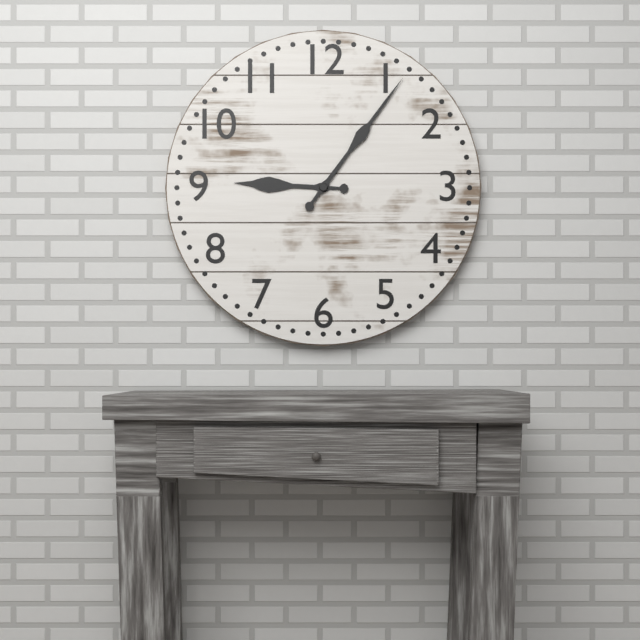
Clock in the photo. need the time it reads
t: 9:06
